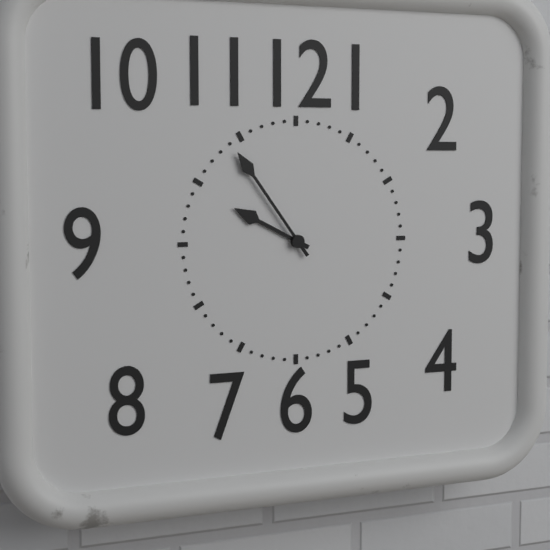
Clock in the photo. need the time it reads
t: 9:54
